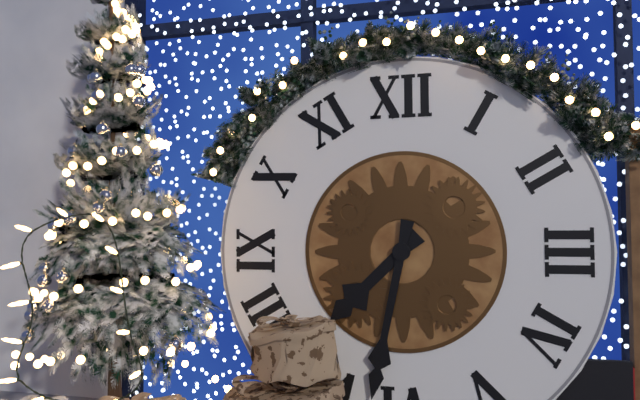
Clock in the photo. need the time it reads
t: 7:32
